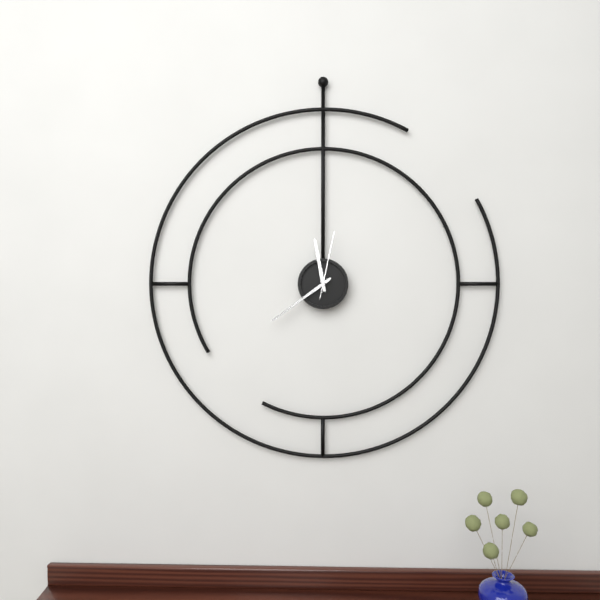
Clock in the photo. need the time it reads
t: 11:39:02
